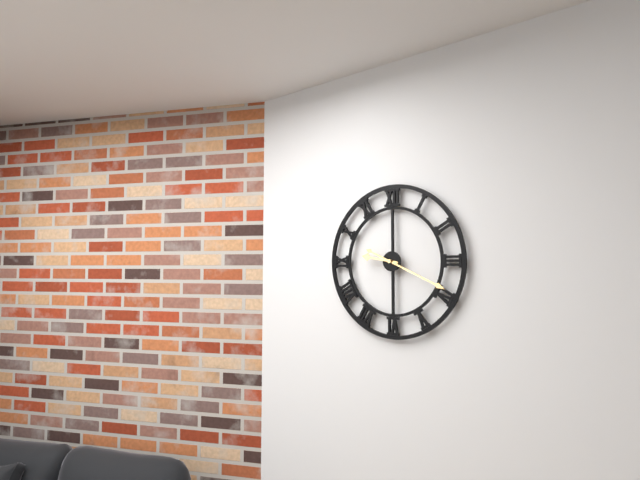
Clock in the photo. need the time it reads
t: 9:19
